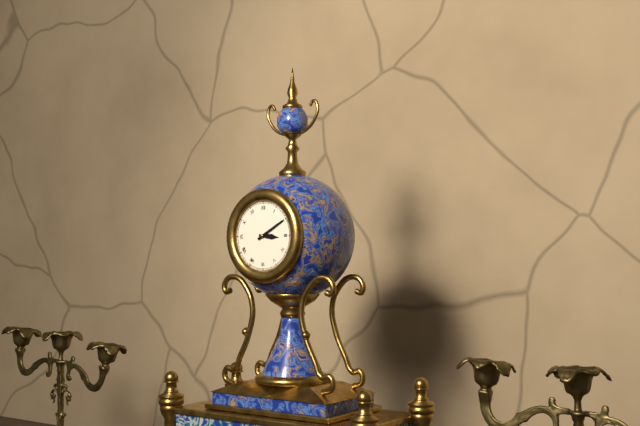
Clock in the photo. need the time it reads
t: 3:10
